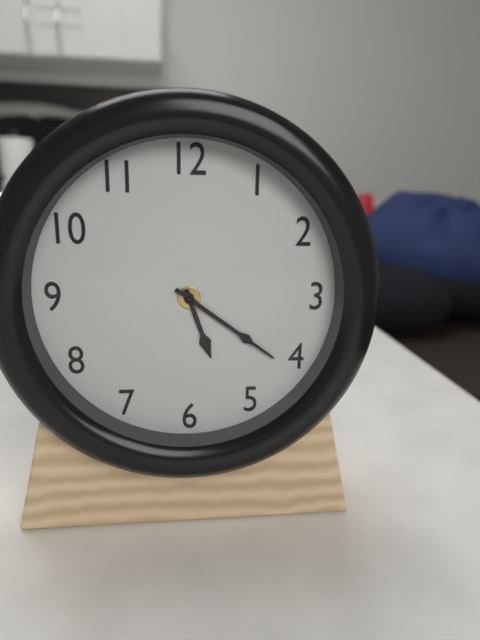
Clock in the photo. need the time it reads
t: 5:21
